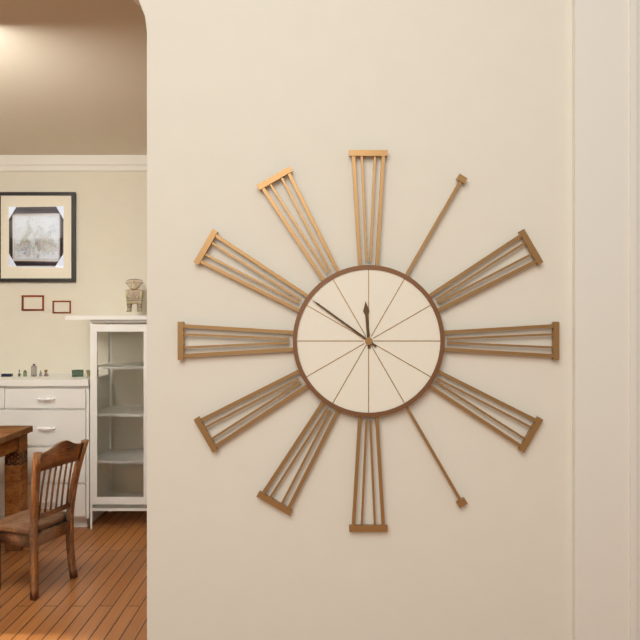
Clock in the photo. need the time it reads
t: 11:51
